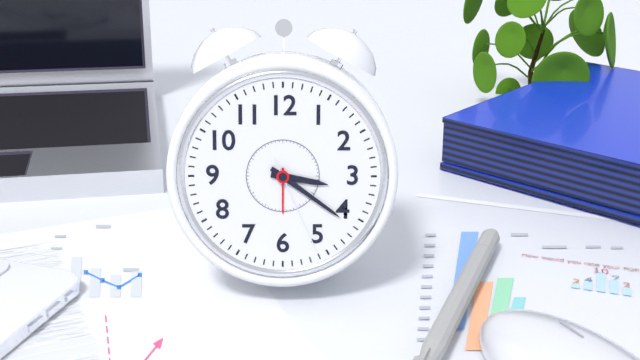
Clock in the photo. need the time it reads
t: 3:21:26
